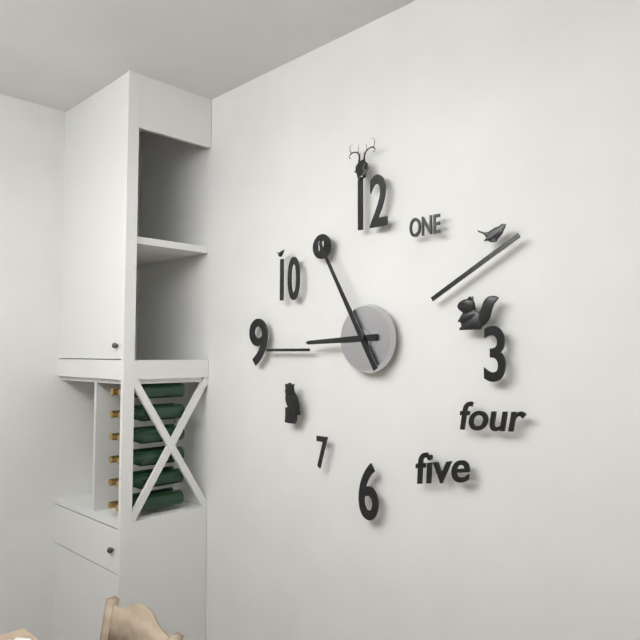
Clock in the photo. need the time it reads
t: 8:55
